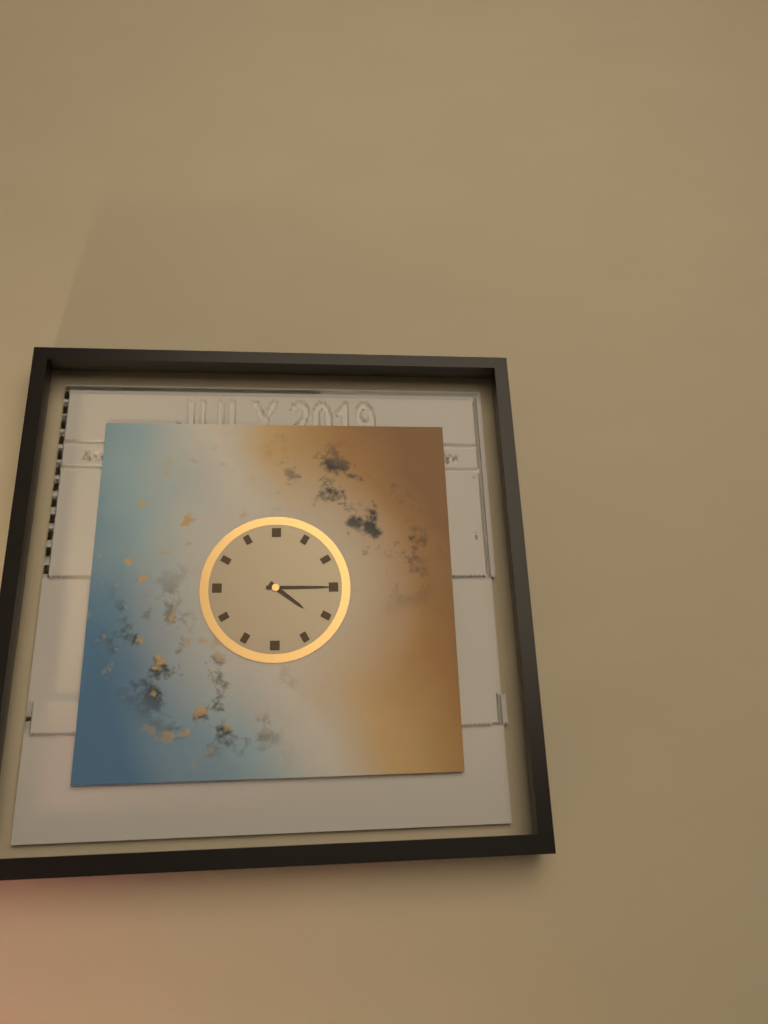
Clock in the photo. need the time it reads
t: 4:15
